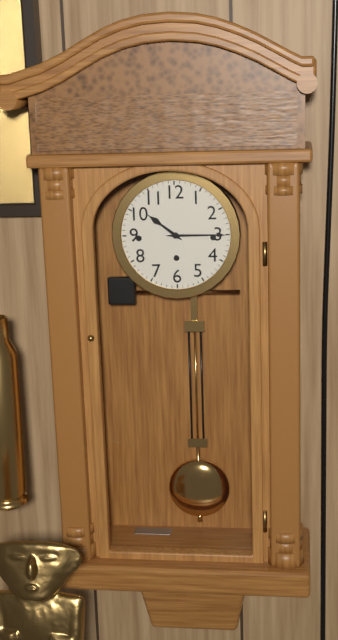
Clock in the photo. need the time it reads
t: 10:15
